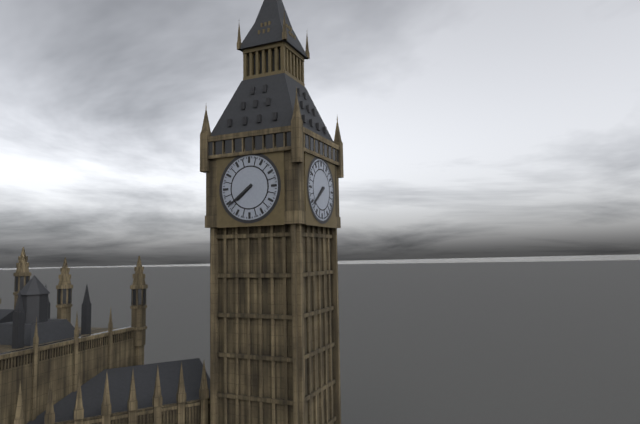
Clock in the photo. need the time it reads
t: 7:39
